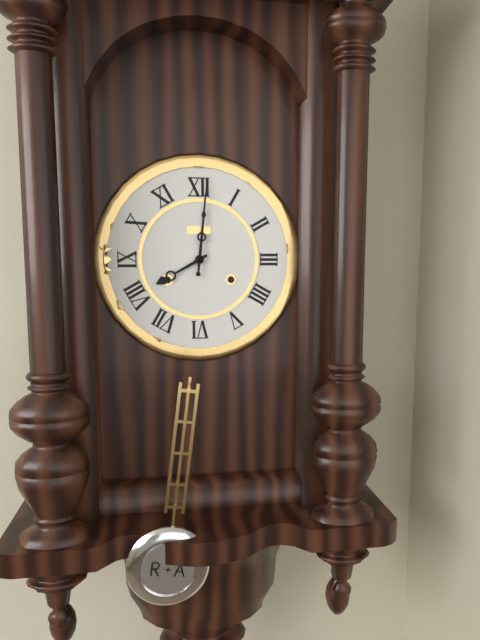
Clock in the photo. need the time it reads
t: 8:01
